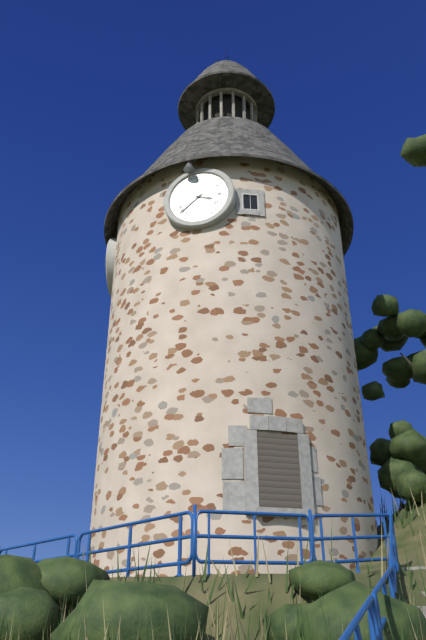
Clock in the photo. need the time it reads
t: 3:38
